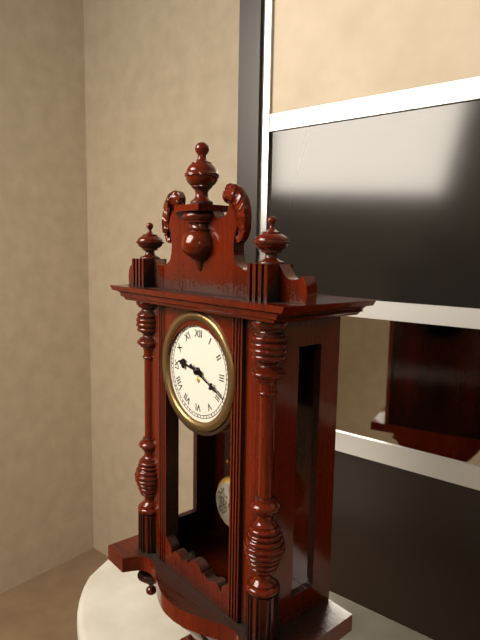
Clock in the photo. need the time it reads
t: 9:19
